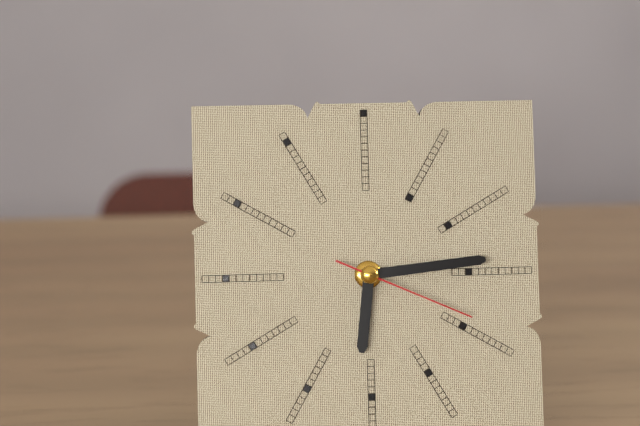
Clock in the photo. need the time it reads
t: 6:14:19
